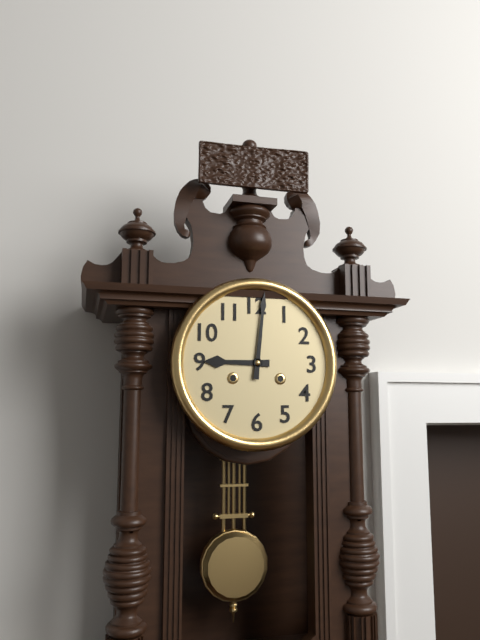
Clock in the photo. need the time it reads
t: 9:01
